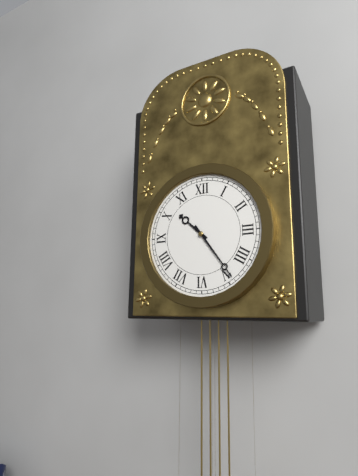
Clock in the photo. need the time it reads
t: 10:24
